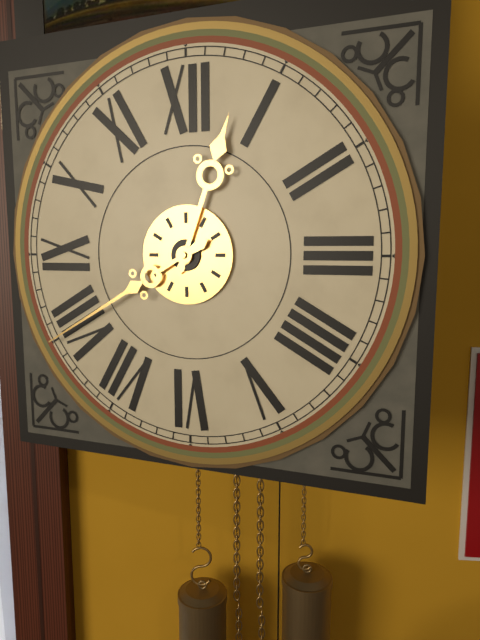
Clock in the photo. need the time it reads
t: 12:40
